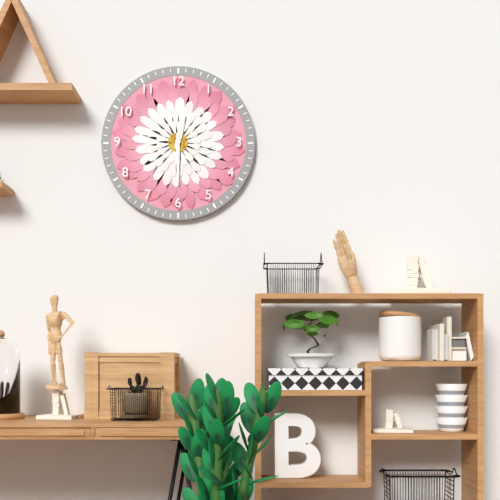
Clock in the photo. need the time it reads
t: 12:30
